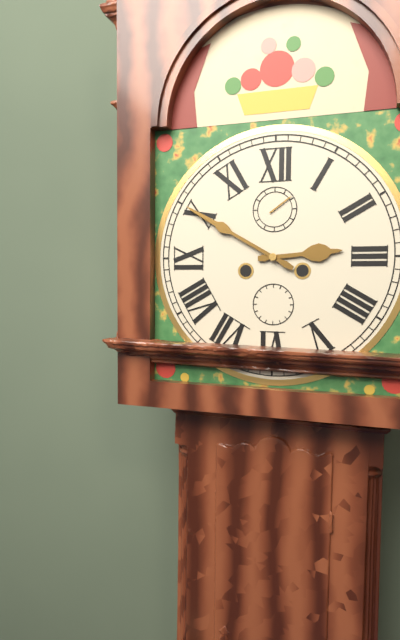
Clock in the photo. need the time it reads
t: 2:50
